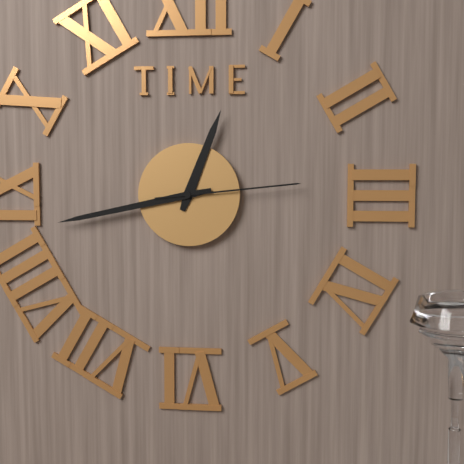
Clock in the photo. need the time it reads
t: 12:43:14
